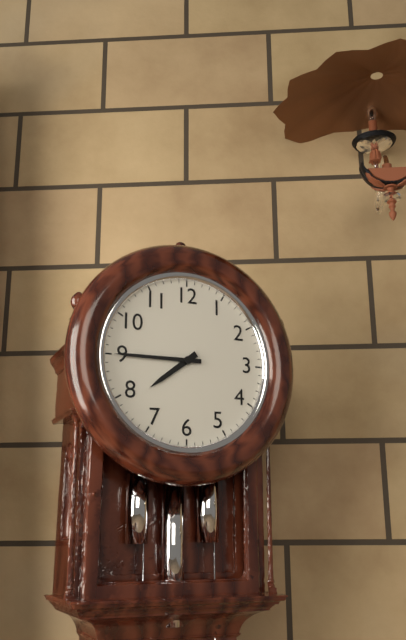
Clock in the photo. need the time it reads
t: 7:45
